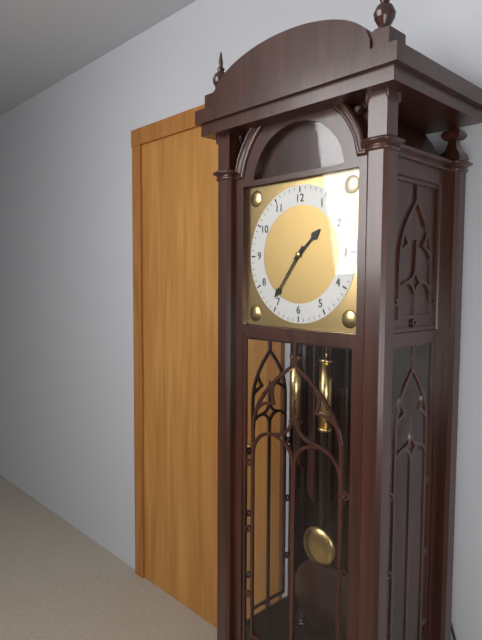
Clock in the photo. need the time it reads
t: 1:36
